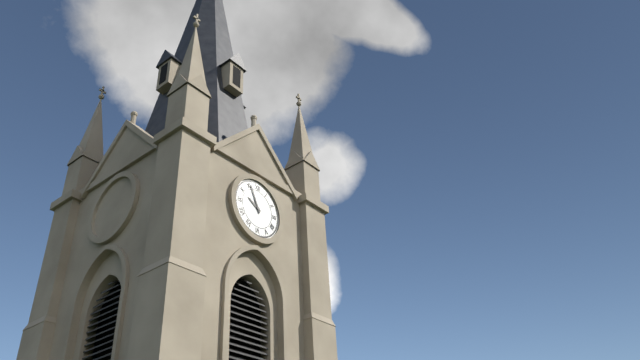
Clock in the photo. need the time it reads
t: 9:56
